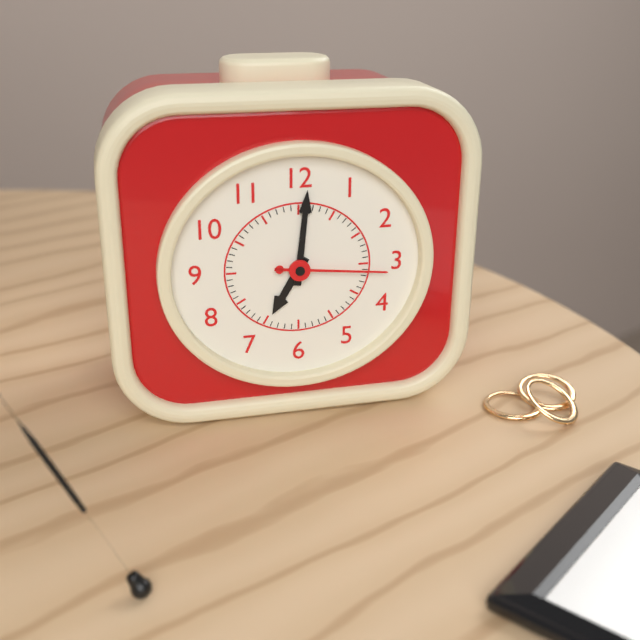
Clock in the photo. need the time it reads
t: 7:01:16
